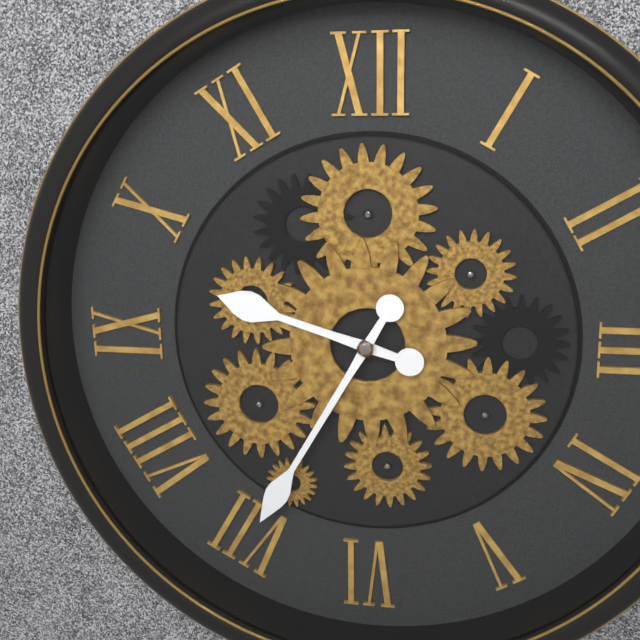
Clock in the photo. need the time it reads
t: 9:35
